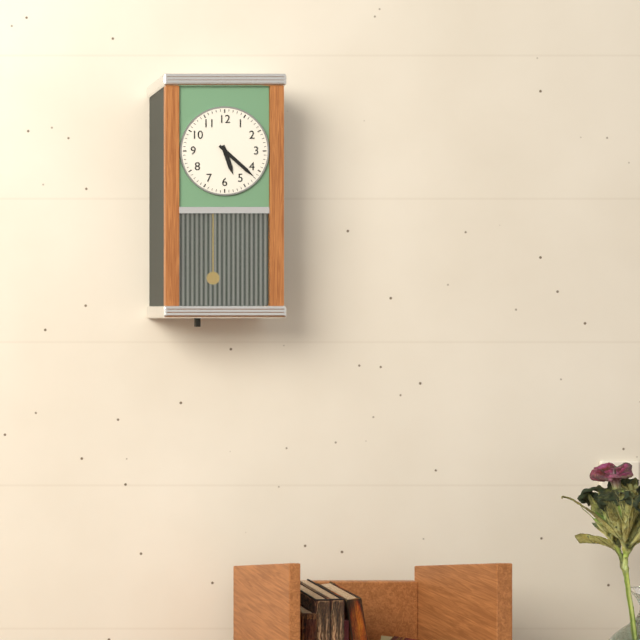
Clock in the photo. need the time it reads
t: 5:22
